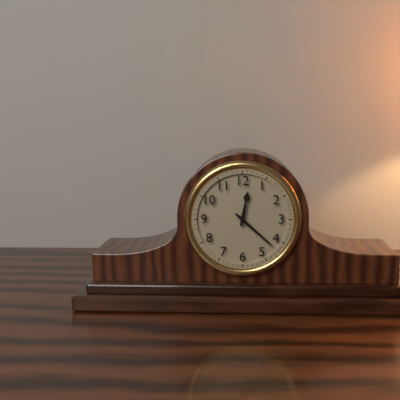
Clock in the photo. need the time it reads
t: 12:22
